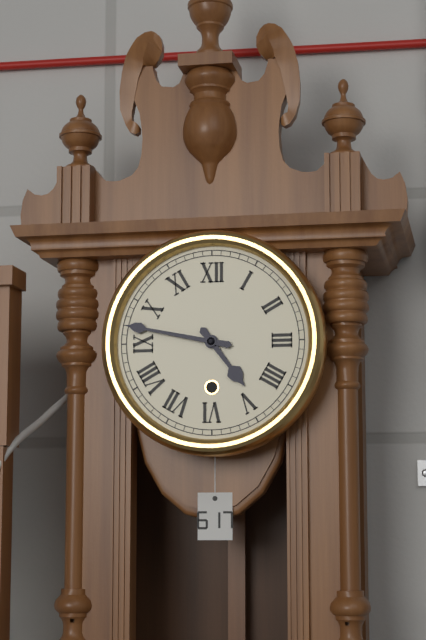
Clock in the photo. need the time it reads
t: 4:47
